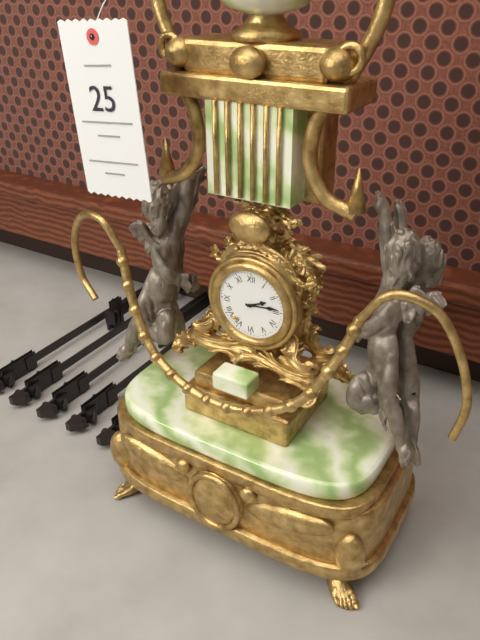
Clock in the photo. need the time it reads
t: 2:14
